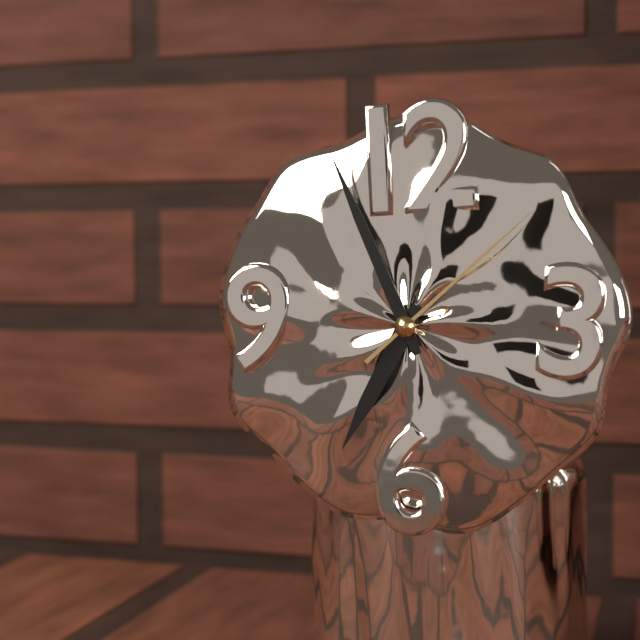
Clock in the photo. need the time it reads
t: 6:56:08
